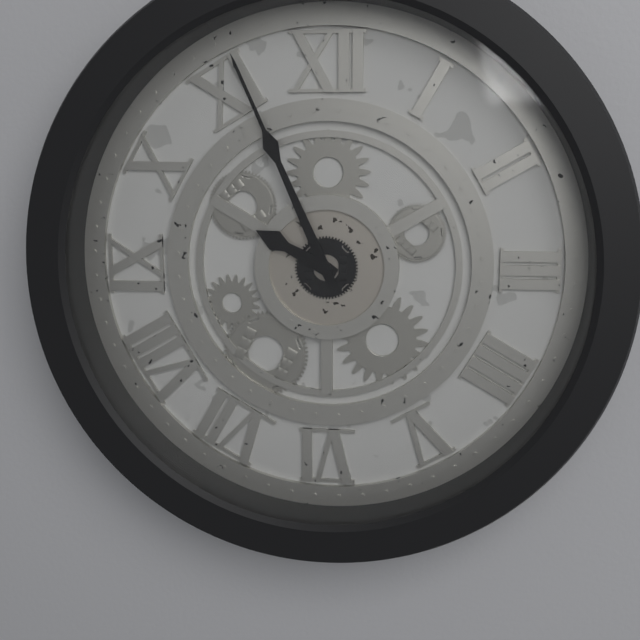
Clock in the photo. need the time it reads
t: 9:56
